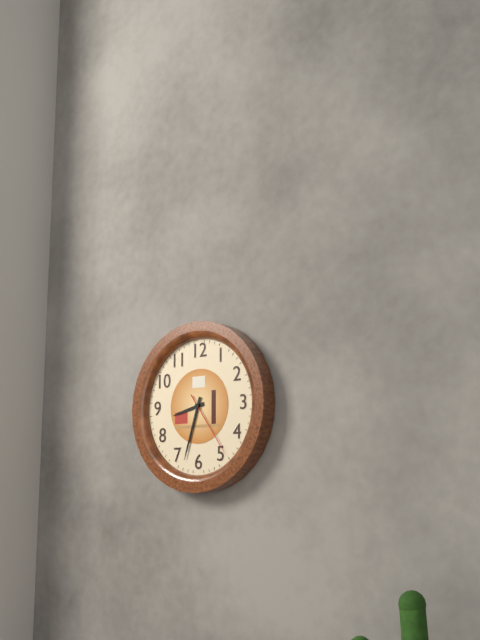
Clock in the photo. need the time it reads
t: 8:33:24
